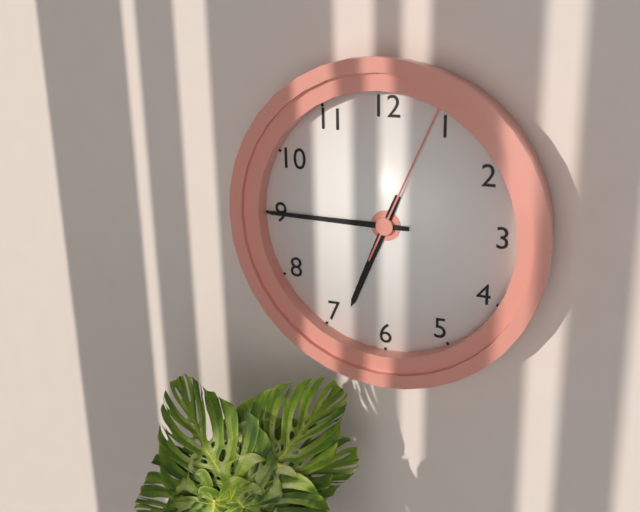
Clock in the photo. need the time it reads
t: 6:45:04
